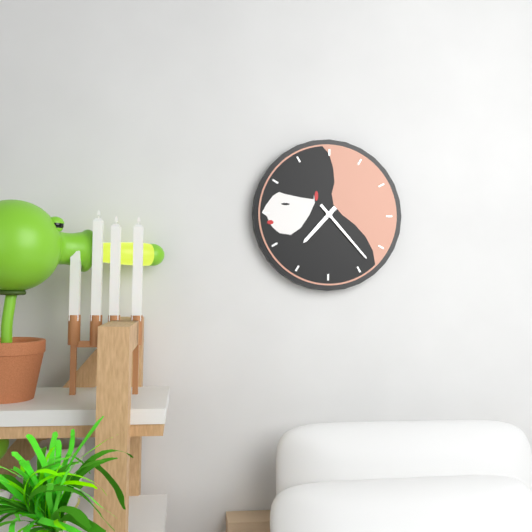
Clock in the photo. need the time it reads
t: 7:23
